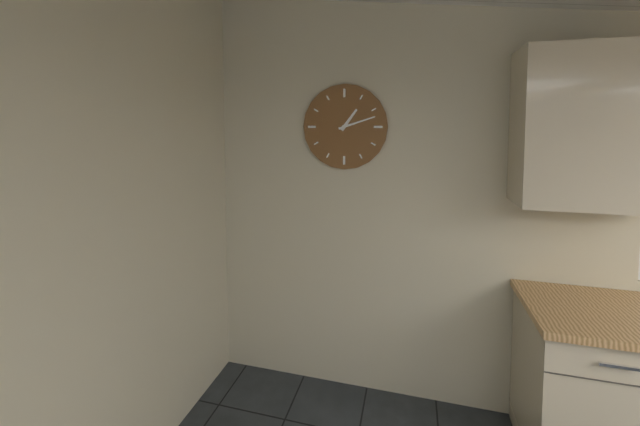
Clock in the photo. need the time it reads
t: 1:12
